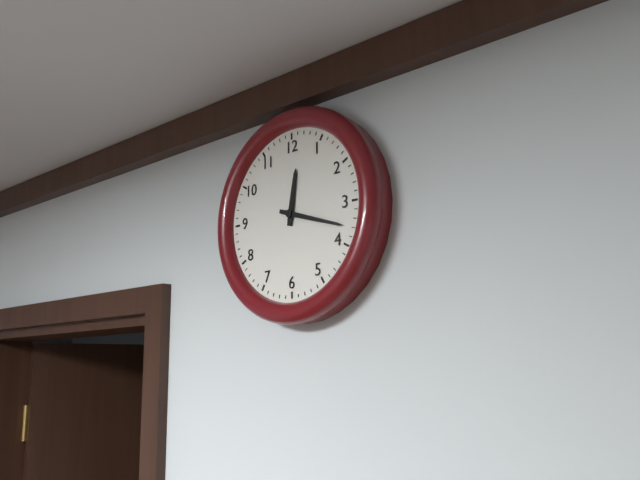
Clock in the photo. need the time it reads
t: 12:18
